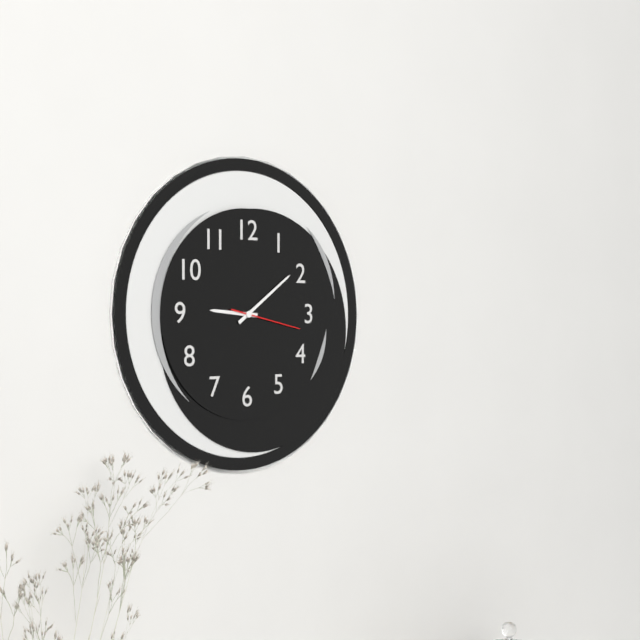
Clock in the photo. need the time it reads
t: 9:09:17
